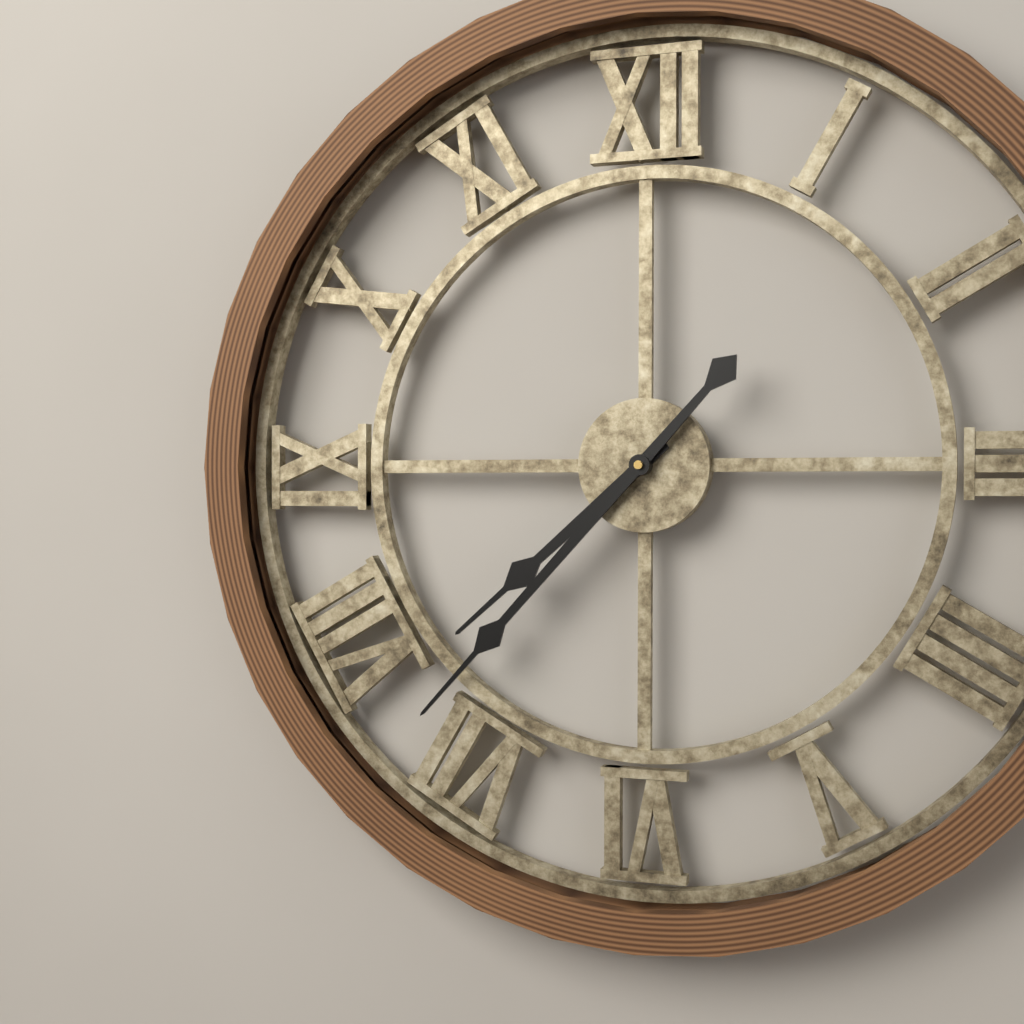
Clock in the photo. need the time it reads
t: 7:37
